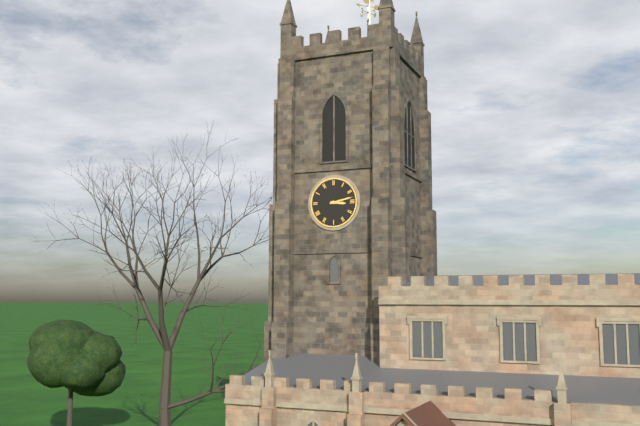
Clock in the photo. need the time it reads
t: 3:13
